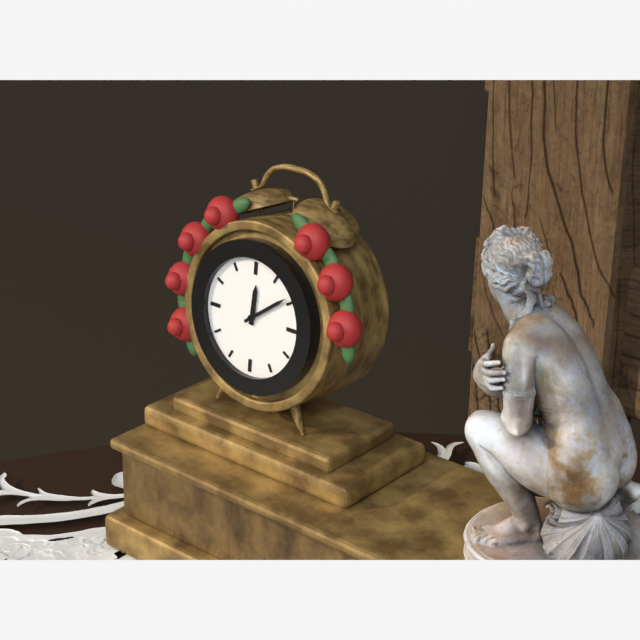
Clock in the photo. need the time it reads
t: 12:09
